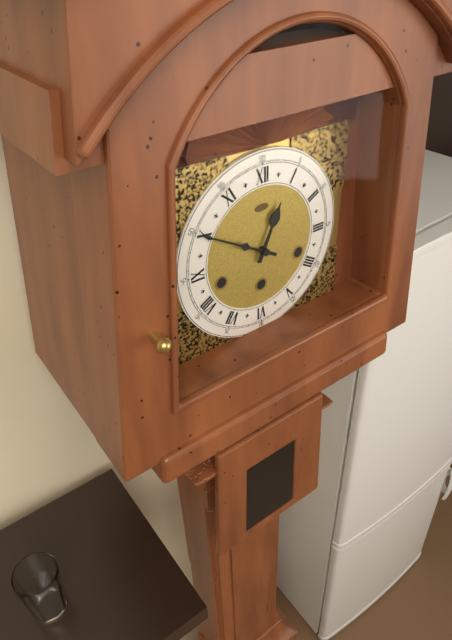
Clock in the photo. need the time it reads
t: 12:50
